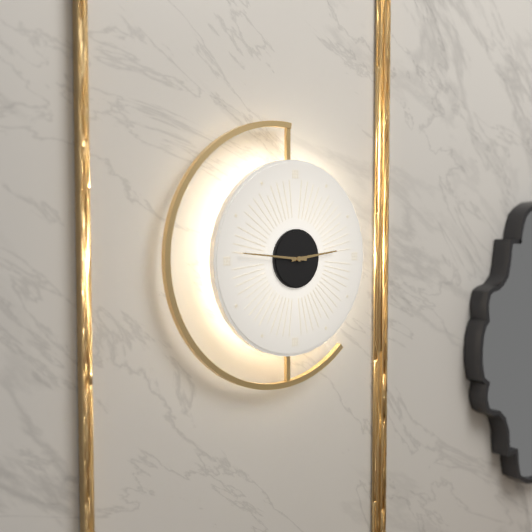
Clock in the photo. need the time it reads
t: 2:46
